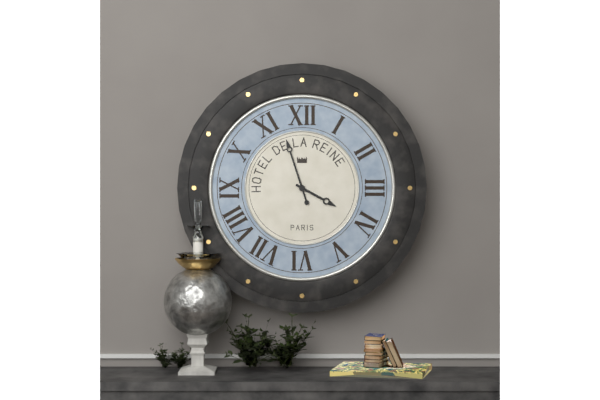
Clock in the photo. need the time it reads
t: 3:57
